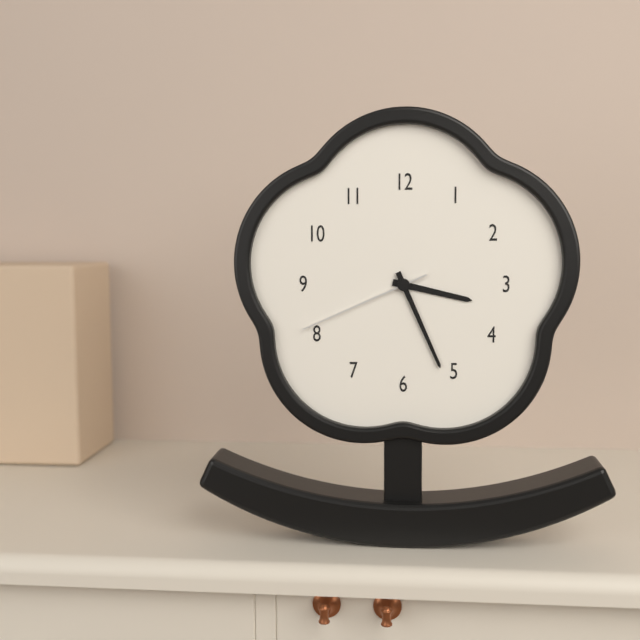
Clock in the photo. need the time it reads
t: 3:26:41
